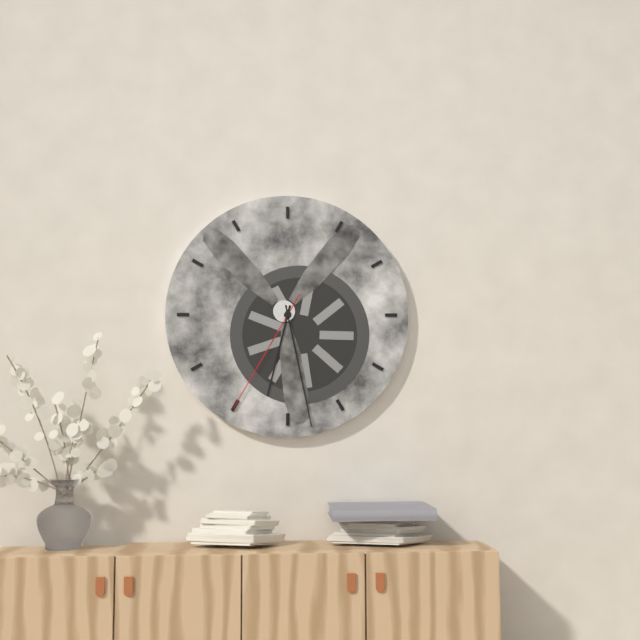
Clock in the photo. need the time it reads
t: 6:28:35
